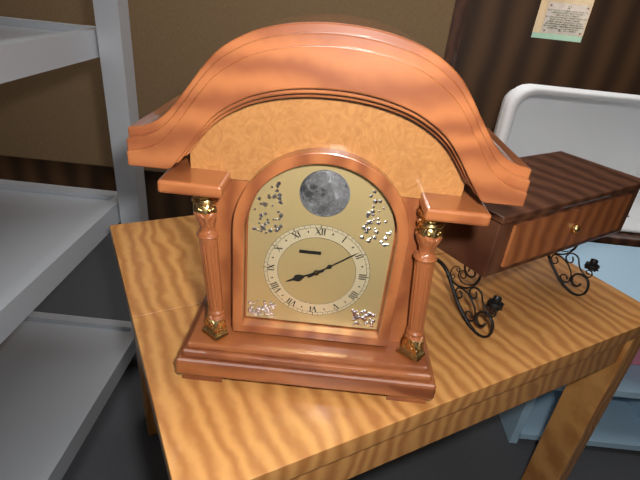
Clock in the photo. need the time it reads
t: 8:09
